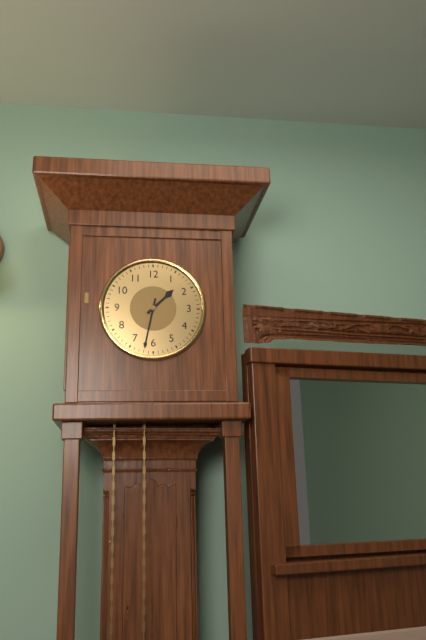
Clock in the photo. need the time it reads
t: 1:32
